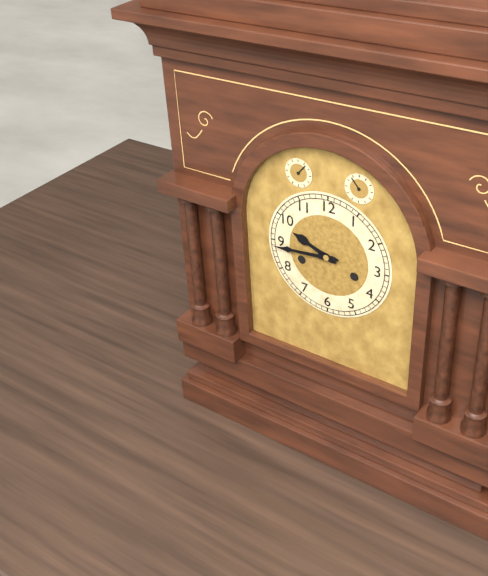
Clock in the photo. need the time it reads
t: 9:44
